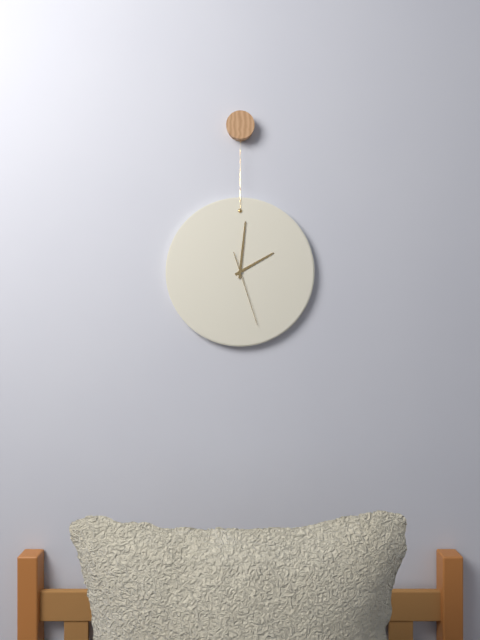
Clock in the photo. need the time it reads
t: 2:01:27
